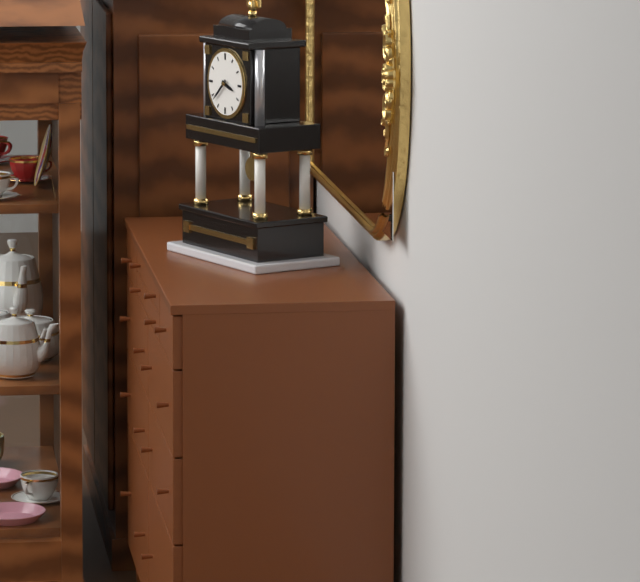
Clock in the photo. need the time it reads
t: 3:38
